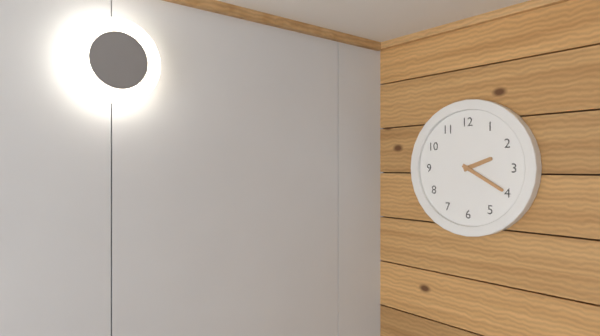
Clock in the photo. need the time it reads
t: 2:20
